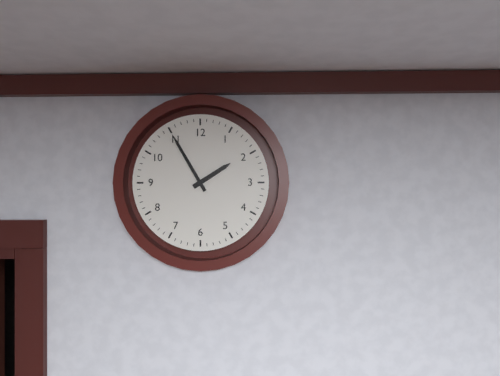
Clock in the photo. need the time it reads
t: 1:55
